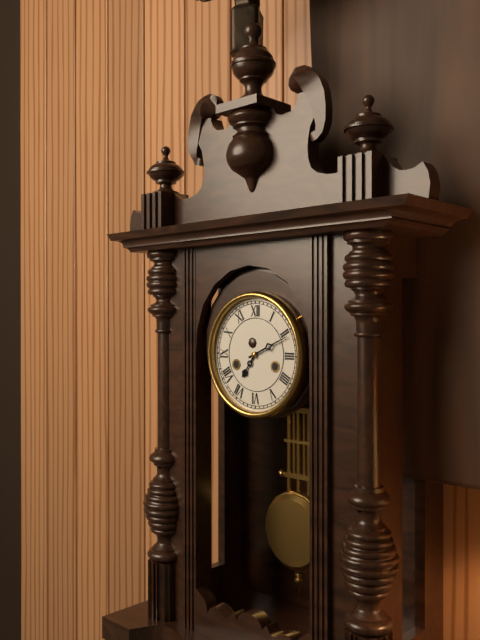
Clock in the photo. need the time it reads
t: 7:11
